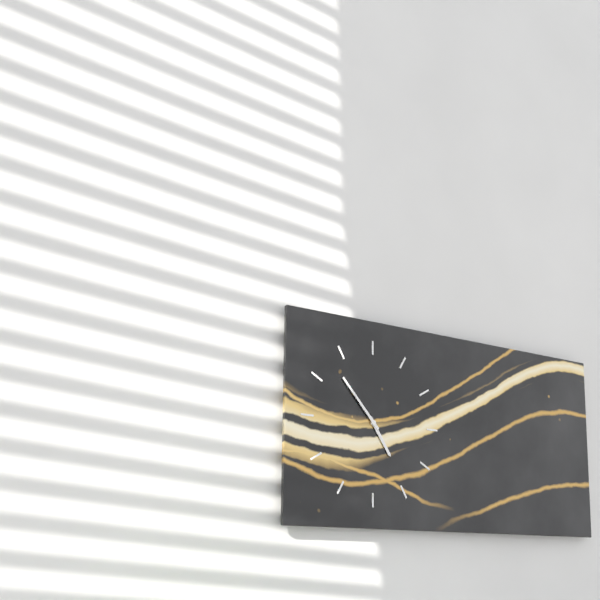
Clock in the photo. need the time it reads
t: 4:53
